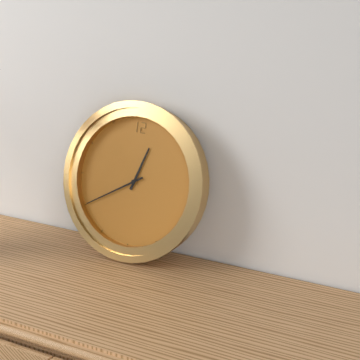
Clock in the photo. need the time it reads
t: 12:40
